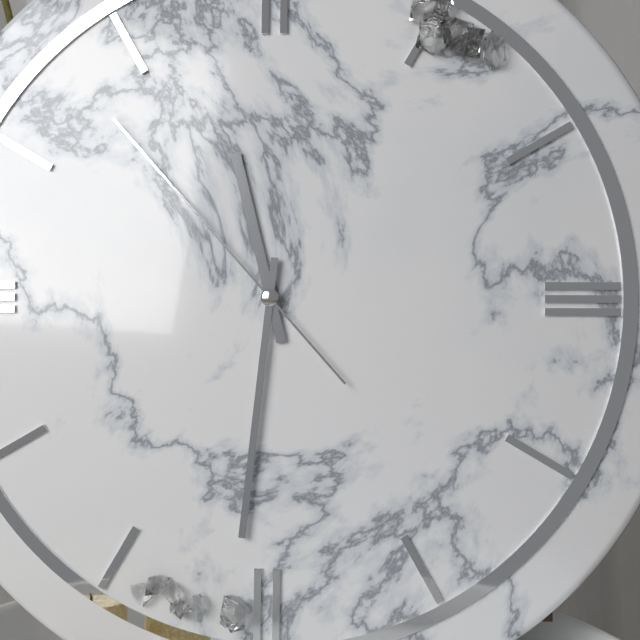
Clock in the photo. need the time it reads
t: 11:31:53
